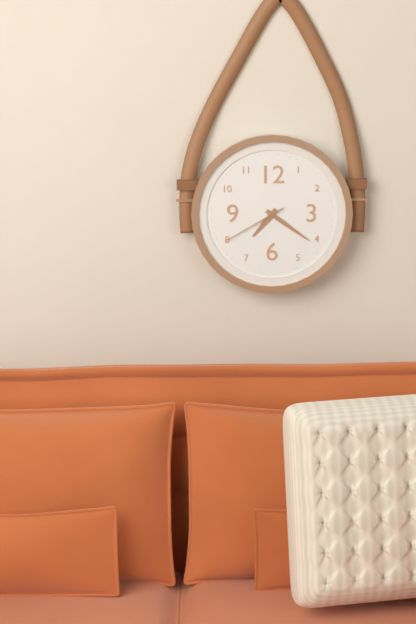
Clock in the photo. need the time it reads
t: 7:21:40
